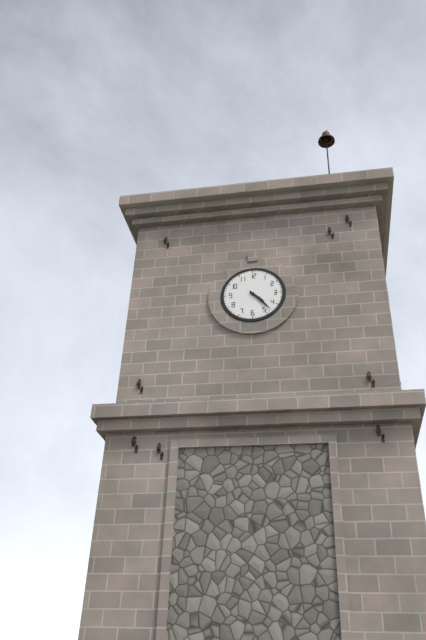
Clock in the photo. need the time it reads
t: 4:23
